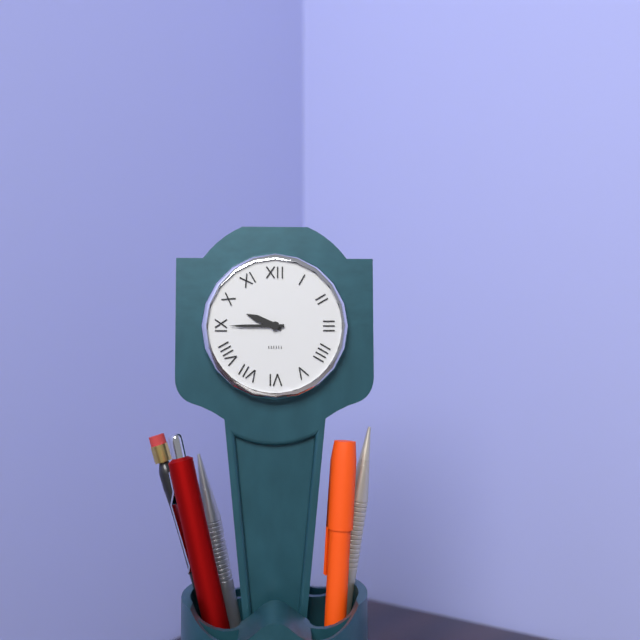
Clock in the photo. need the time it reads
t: 9:45
